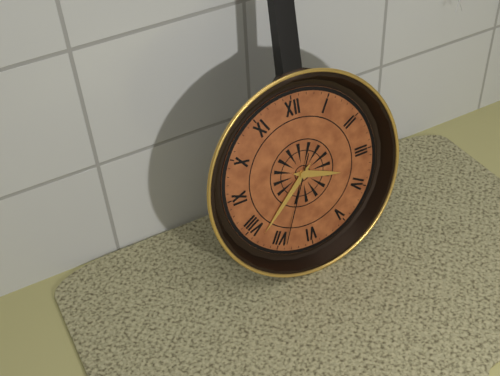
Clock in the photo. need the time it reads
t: 3:38:34
